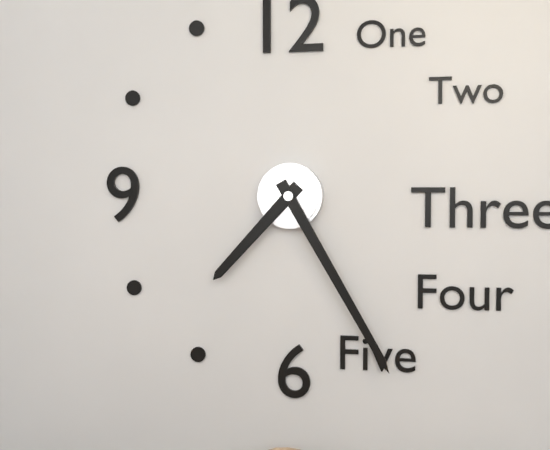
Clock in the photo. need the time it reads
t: 7:25
